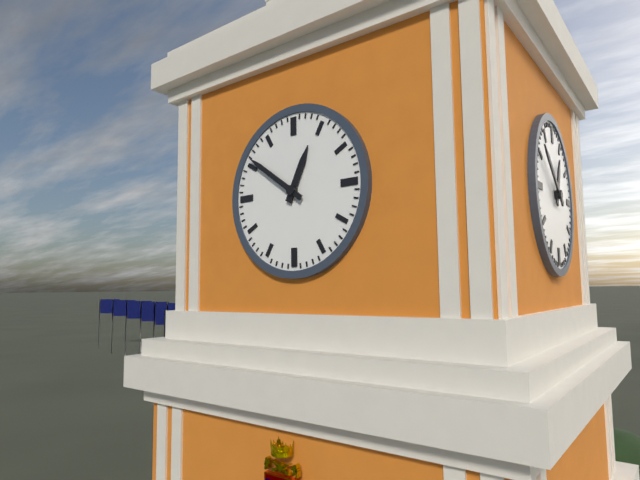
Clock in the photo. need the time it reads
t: 12:51
